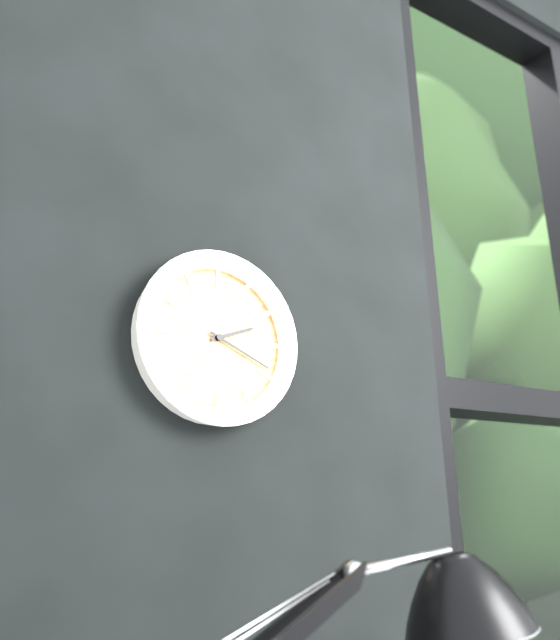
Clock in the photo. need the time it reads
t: 2:19
